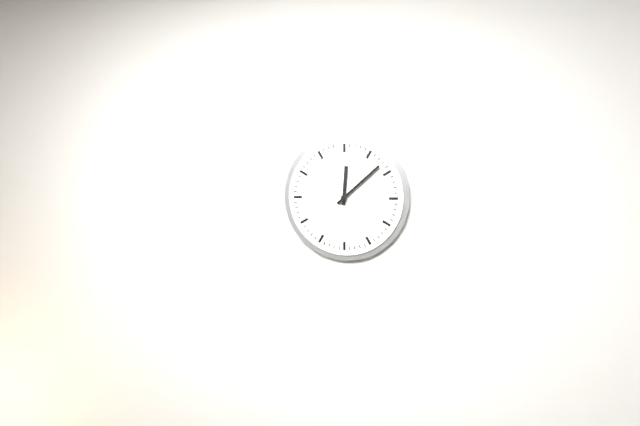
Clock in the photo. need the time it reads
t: 12:08
